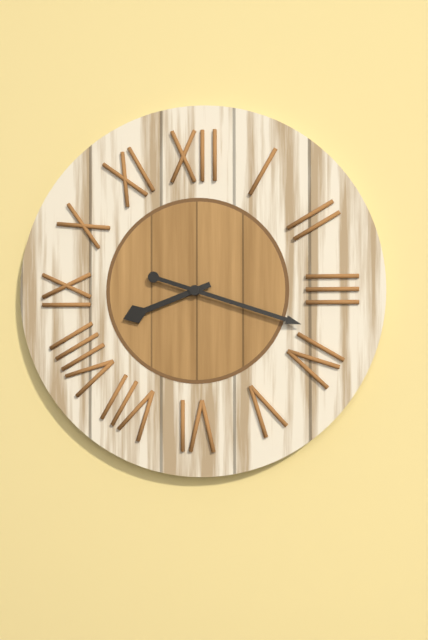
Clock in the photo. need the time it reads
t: 8:18
